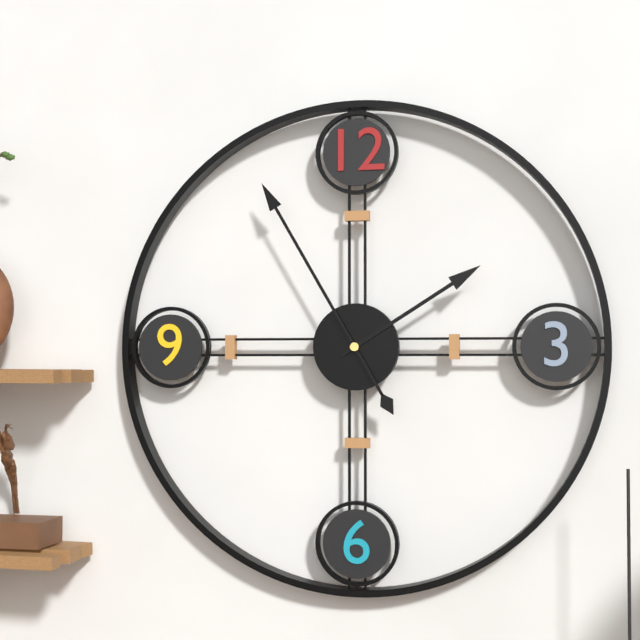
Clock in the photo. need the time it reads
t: 1:55
